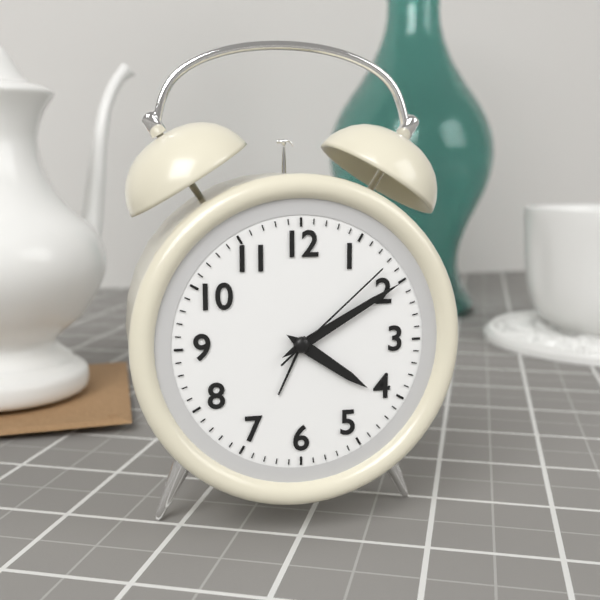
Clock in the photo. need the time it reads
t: 4:10:08
